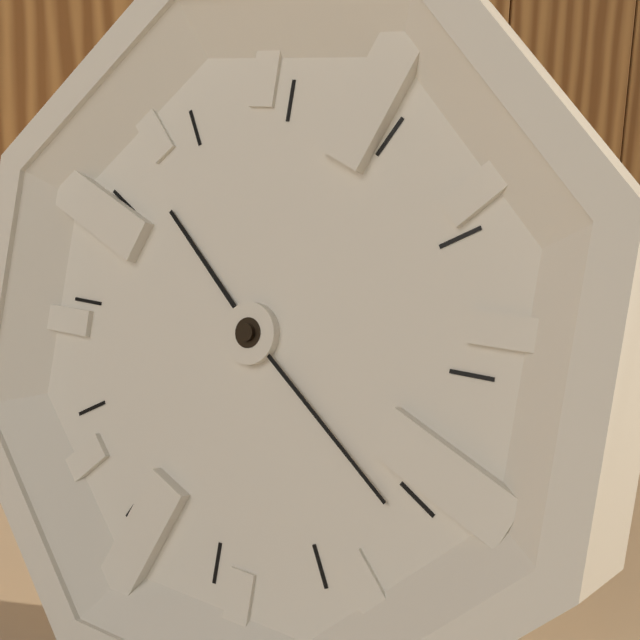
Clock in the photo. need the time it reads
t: 10:21
